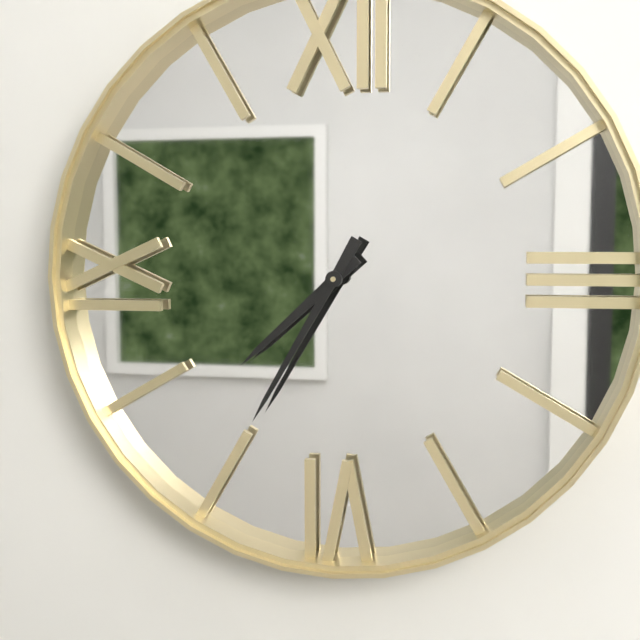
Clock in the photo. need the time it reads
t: 7:35
